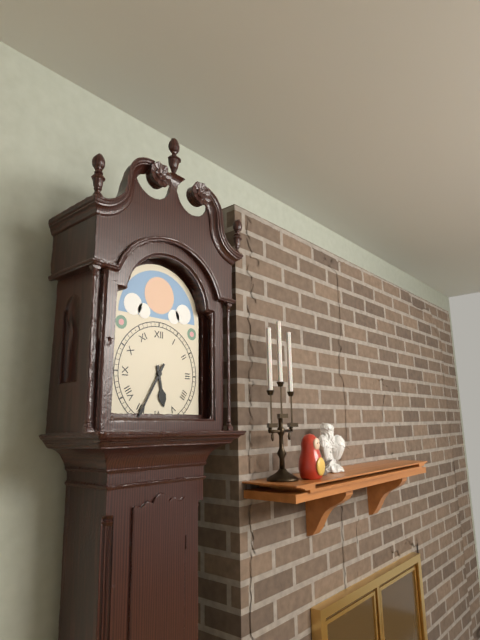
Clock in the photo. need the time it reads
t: 5:35
